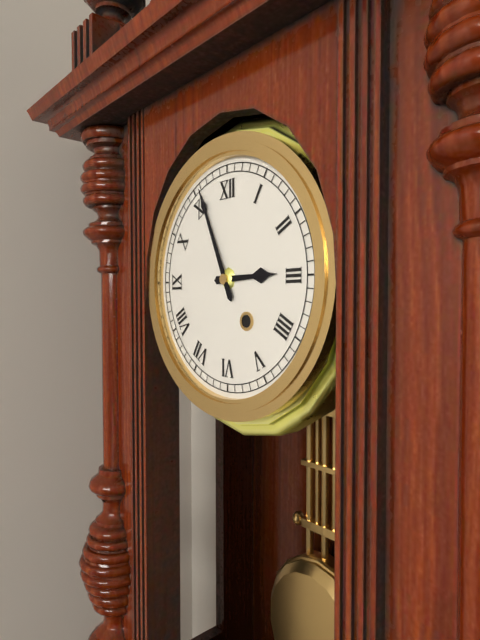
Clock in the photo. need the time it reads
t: 2:56
